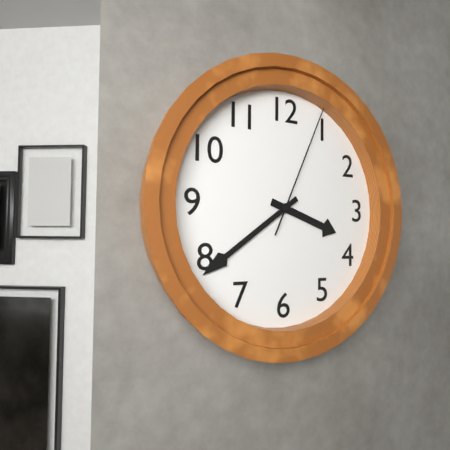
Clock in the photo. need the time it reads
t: 3:39:04
